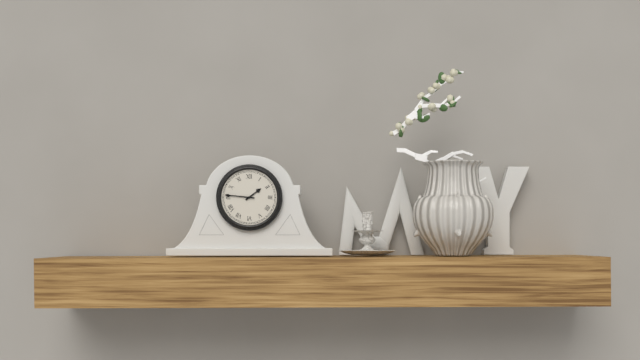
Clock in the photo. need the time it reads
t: 1:46
